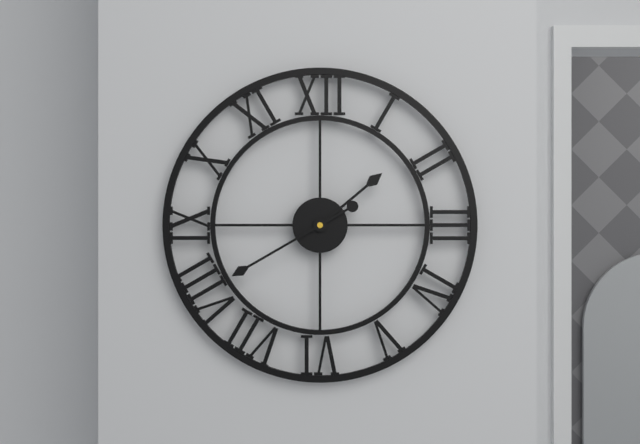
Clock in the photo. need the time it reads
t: 1:40
